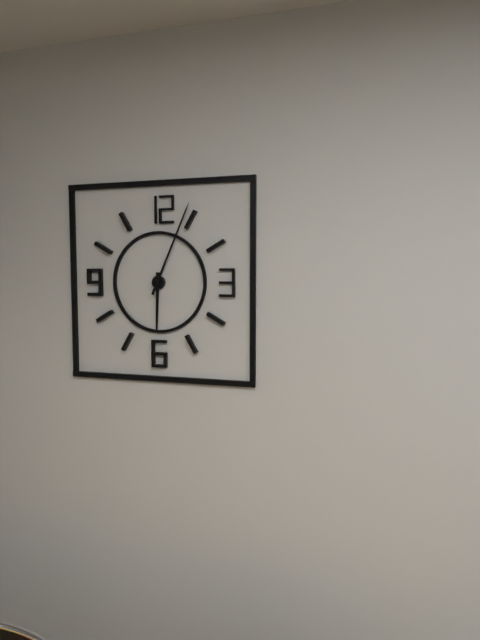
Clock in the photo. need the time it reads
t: 6:04
